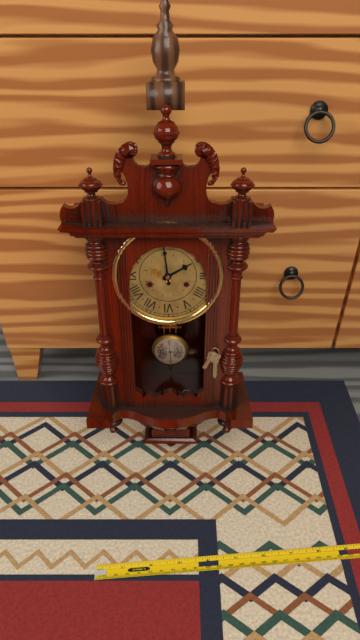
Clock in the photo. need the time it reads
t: 1:59
